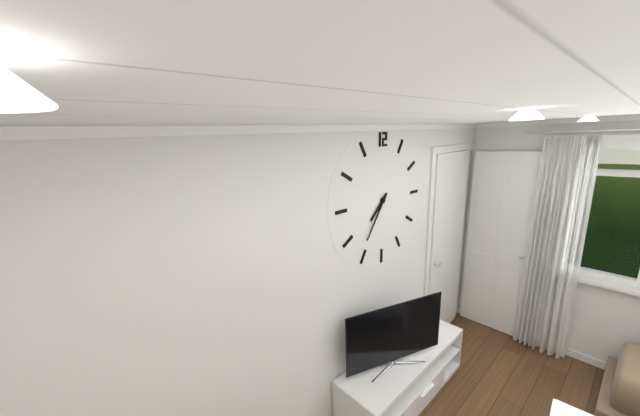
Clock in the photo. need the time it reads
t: 7:36
